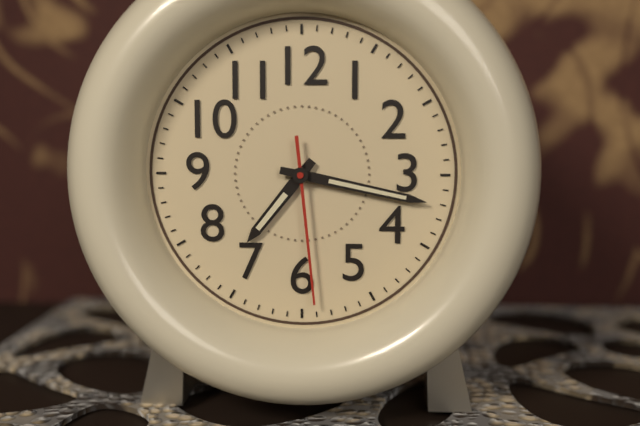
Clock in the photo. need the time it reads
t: 7:17:29
